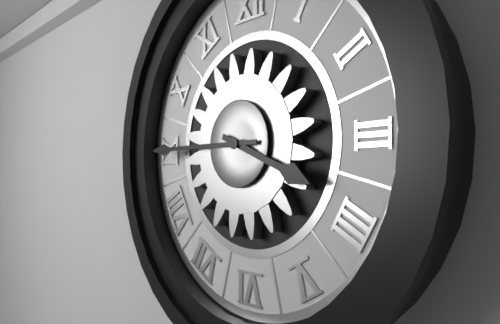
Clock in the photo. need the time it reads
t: 3:45
